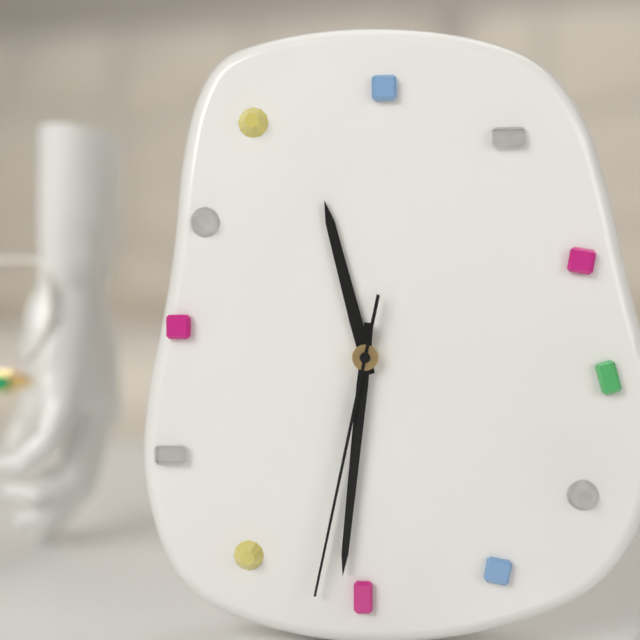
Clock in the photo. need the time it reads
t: 11:31:32
